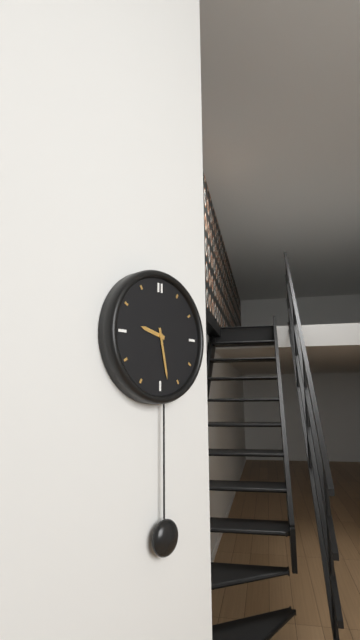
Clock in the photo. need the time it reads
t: 9:28
